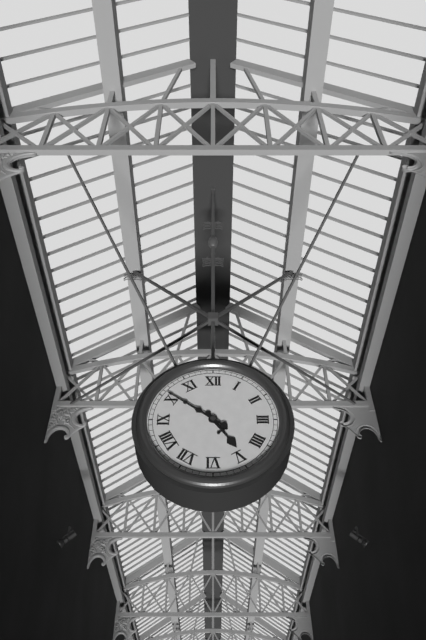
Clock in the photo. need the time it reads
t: 4:51
